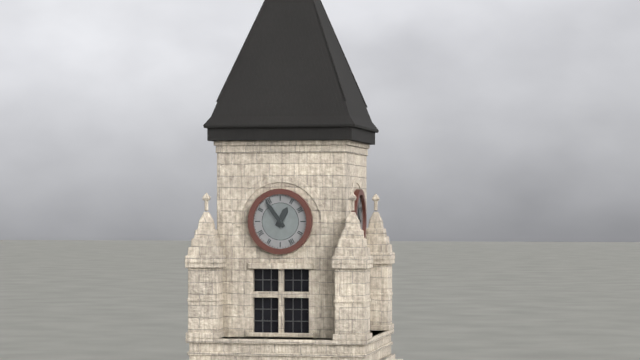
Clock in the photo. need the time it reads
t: 12:54
